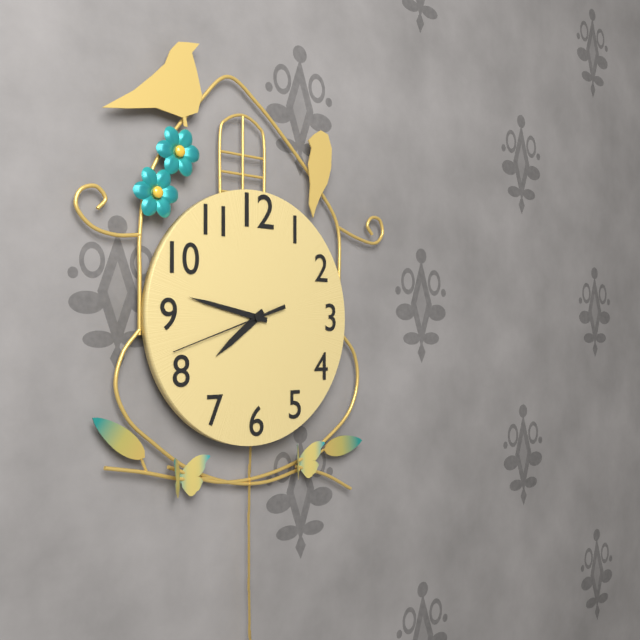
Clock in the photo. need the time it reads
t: 7:47:42
